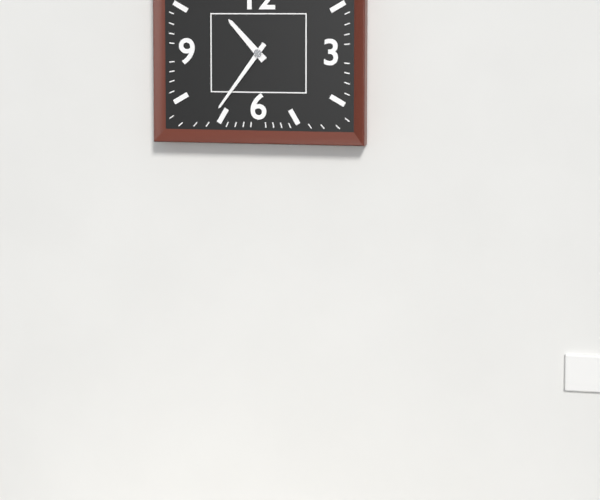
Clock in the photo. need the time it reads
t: 10:36
